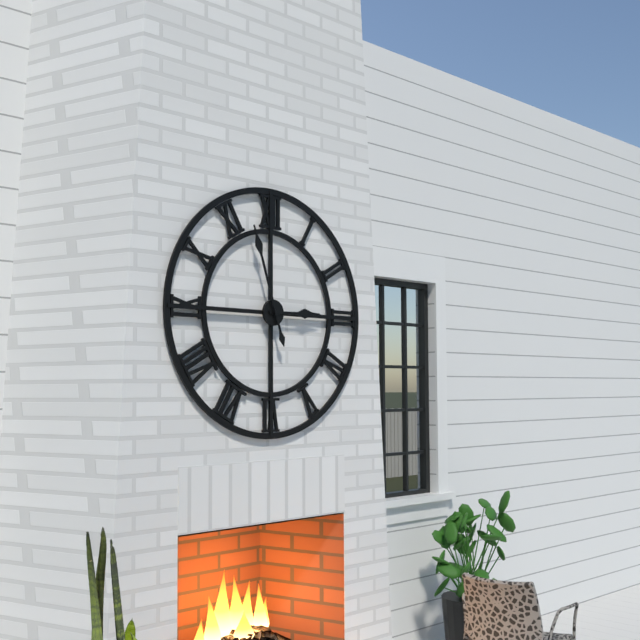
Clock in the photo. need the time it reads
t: 2:57
